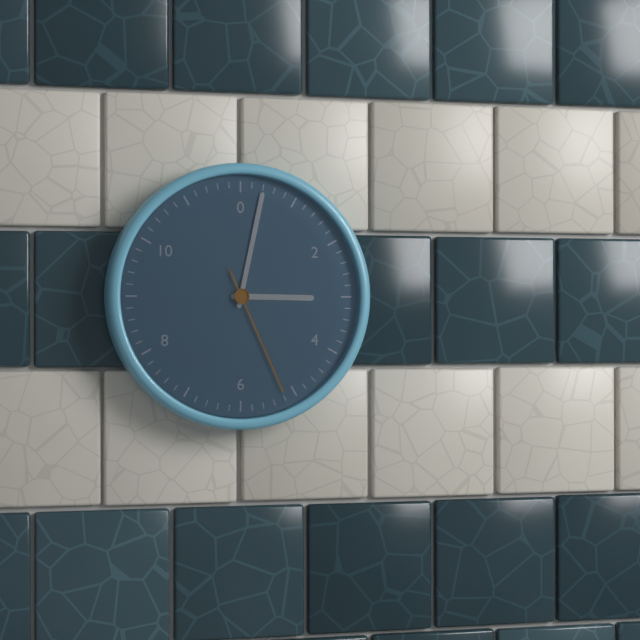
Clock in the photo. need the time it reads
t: 3:02:26
